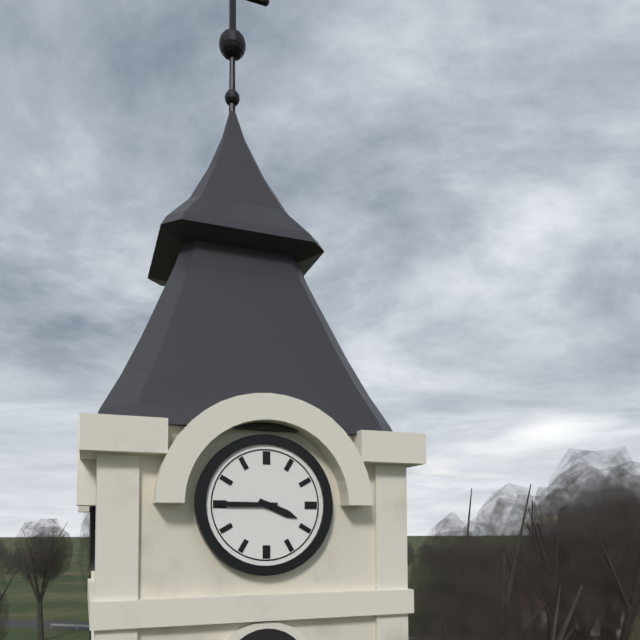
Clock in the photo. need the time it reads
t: 3:45
